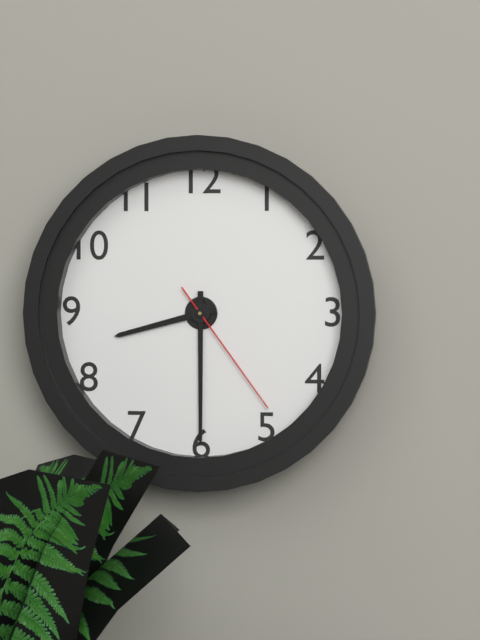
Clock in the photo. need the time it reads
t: 8:30:24
